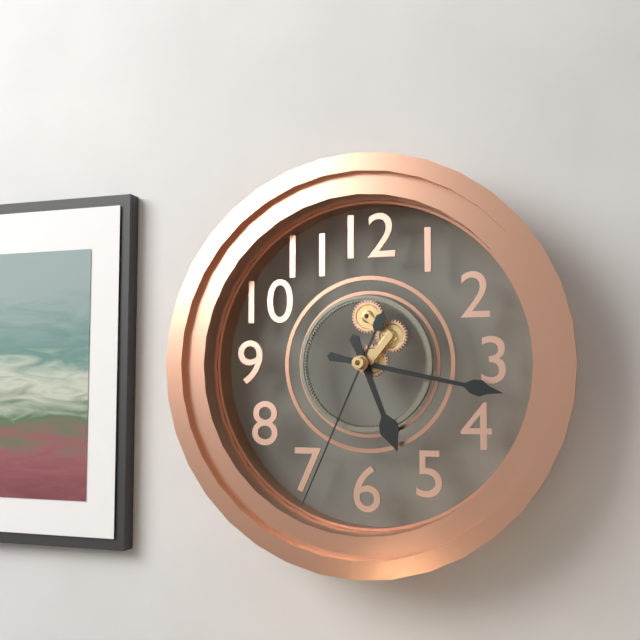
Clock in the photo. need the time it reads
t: 5:17:34
